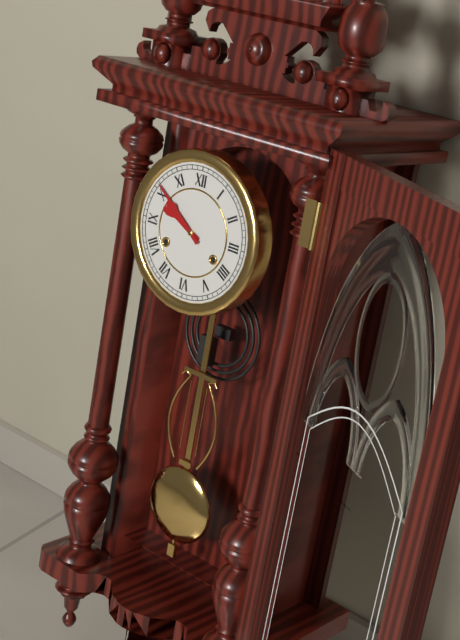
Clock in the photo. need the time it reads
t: 9:51
